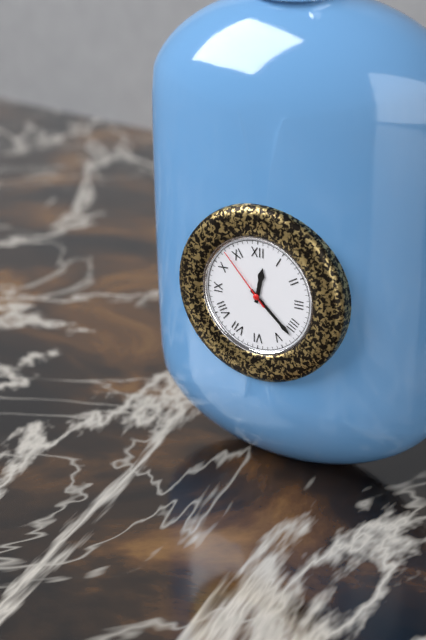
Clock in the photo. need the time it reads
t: 12:22:53
